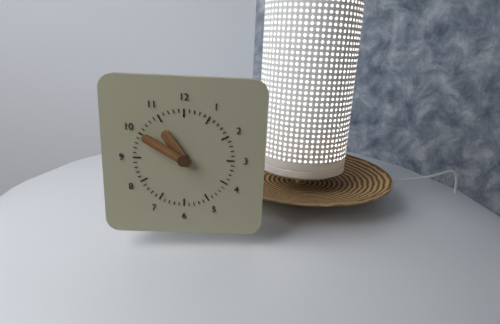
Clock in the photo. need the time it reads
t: 10:50
